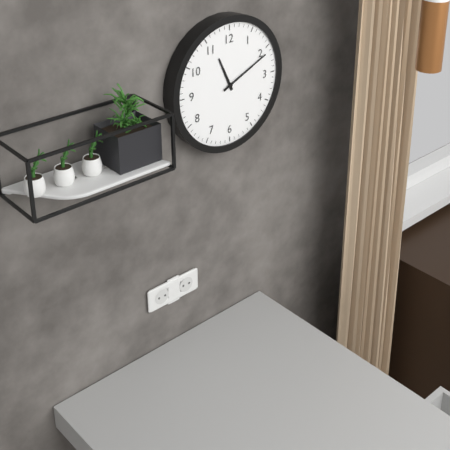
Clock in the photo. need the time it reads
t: 11:11
